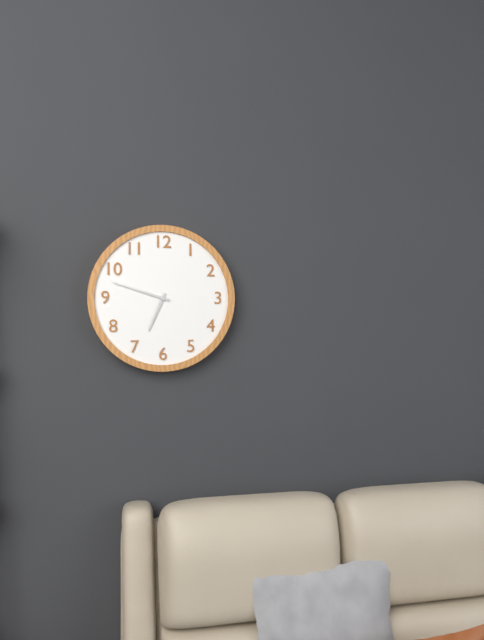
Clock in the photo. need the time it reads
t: 6:48
